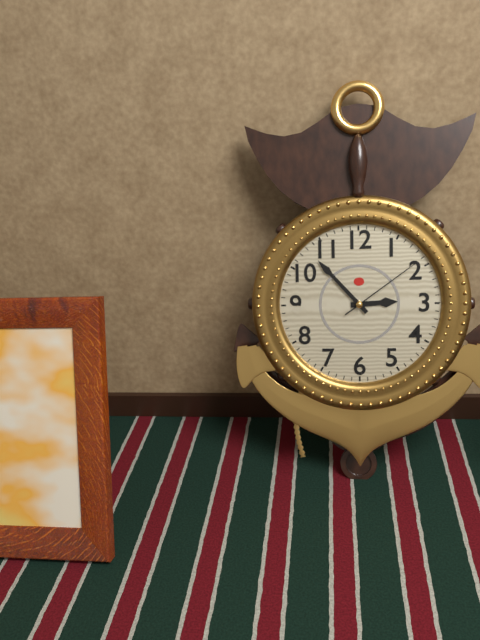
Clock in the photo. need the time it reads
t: 2:53:09
